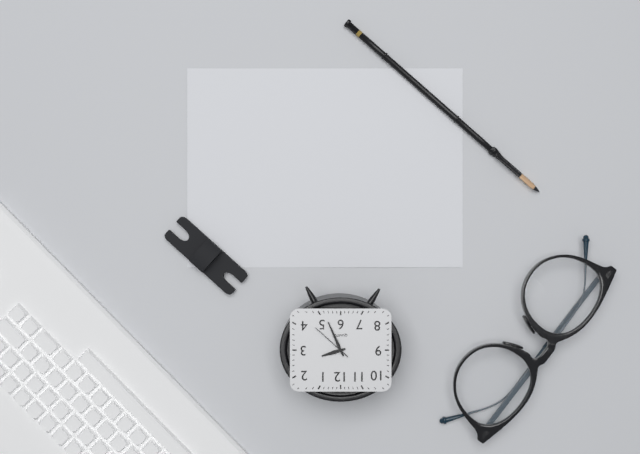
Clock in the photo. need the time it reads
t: 2:26
